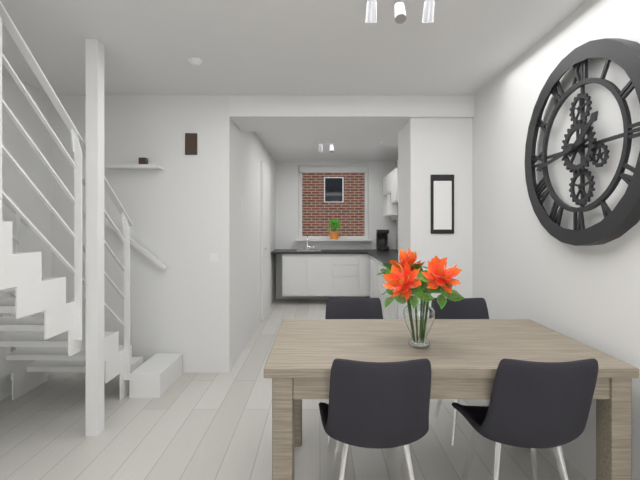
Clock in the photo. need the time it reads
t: 1:43
